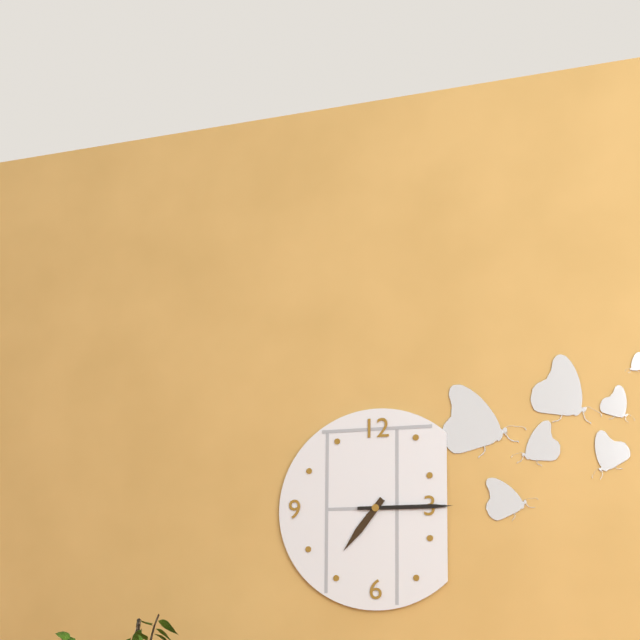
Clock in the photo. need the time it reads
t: 7:15
